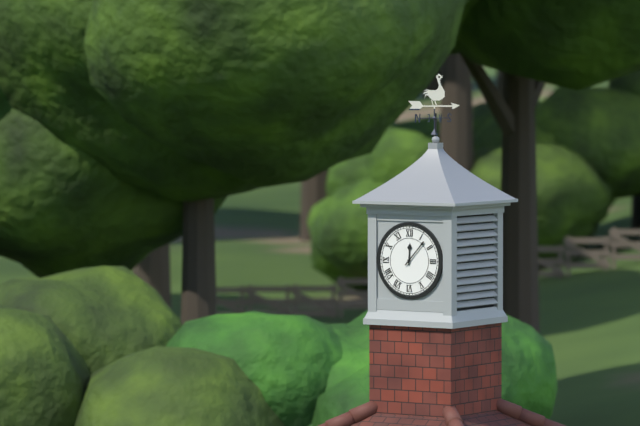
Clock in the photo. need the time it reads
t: 12:07
